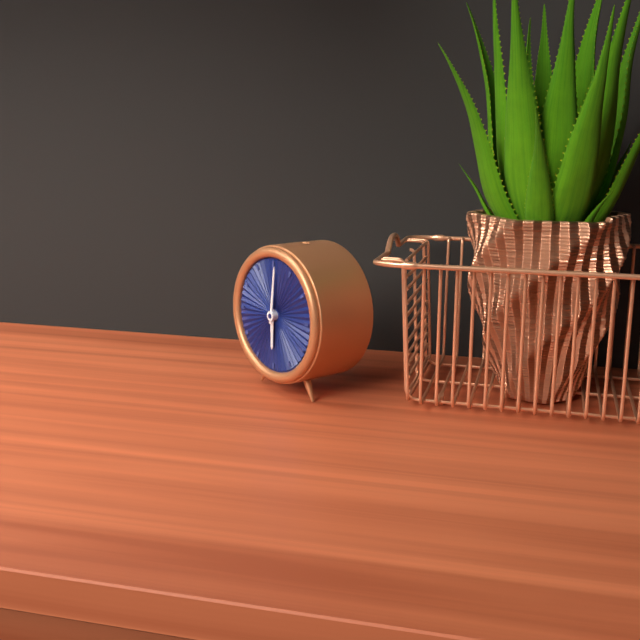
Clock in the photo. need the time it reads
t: 6:01
